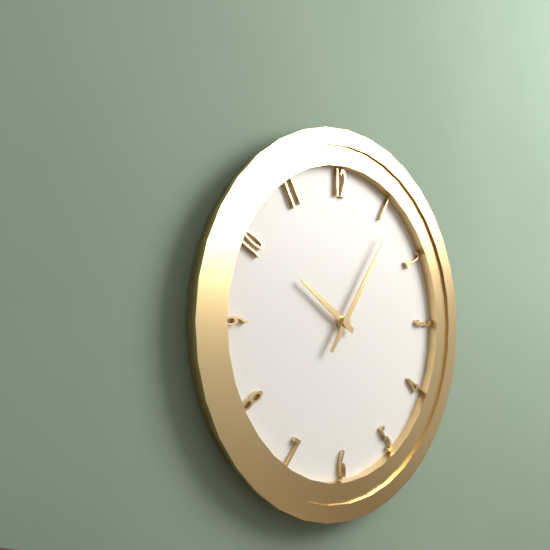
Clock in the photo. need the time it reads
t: 10:06
